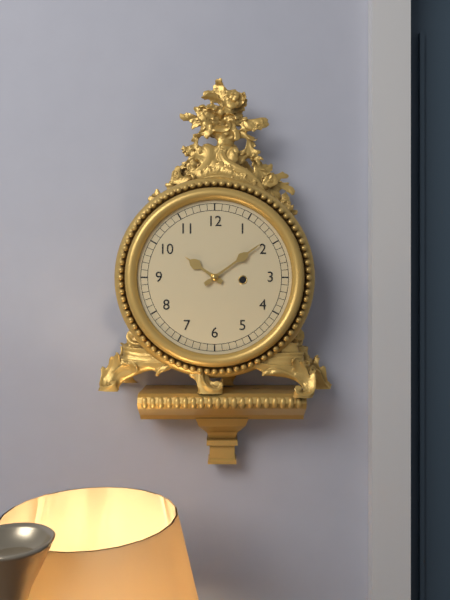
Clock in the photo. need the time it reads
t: 10:09
